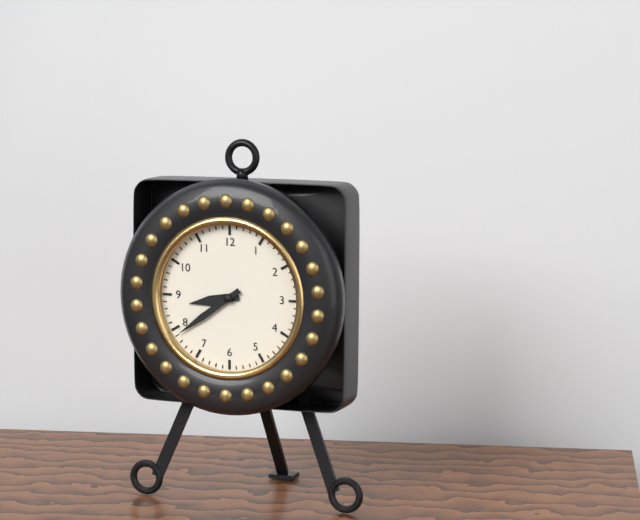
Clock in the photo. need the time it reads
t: 8:39
